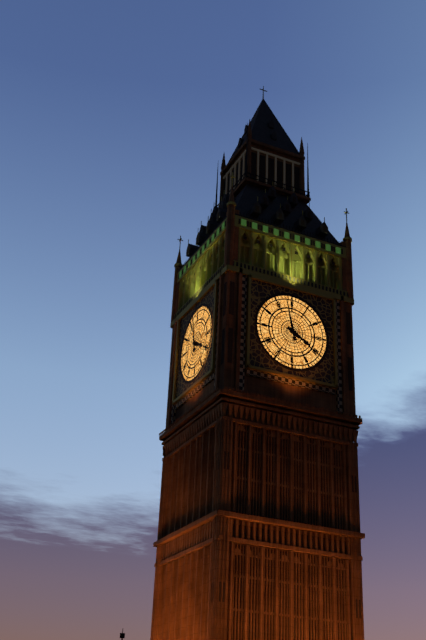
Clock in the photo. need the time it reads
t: 3:58
